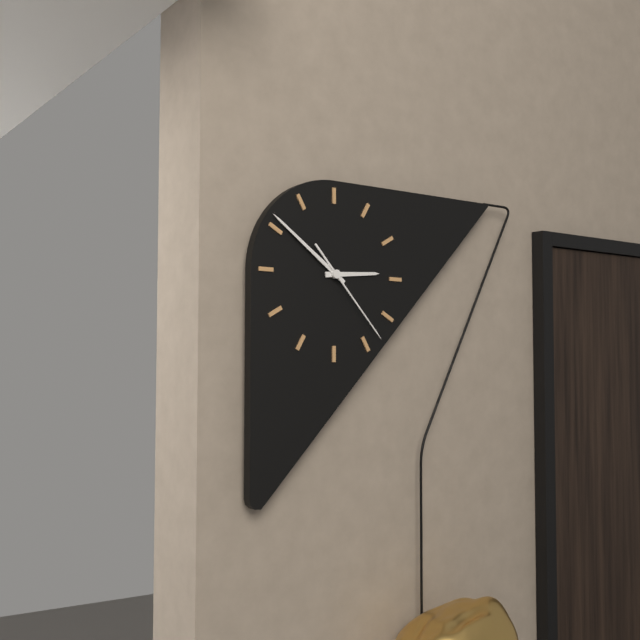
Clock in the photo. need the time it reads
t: 2:51:23
